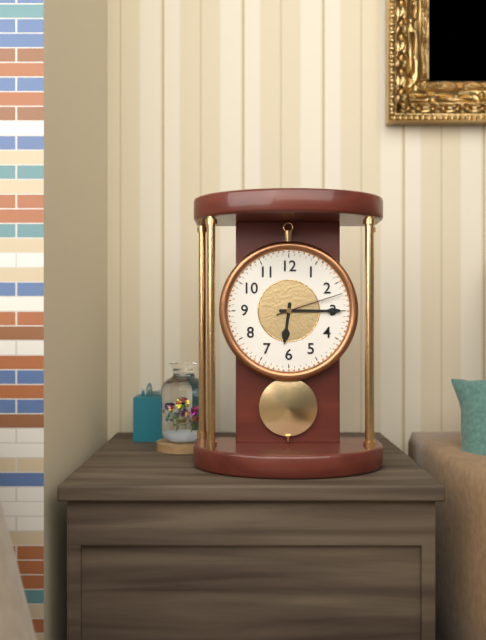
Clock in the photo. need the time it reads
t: 6:15:12
